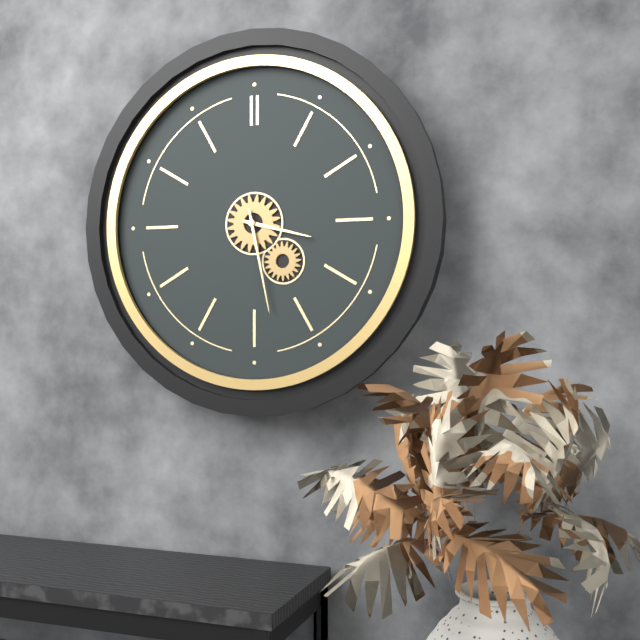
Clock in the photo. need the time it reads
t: 3:28
